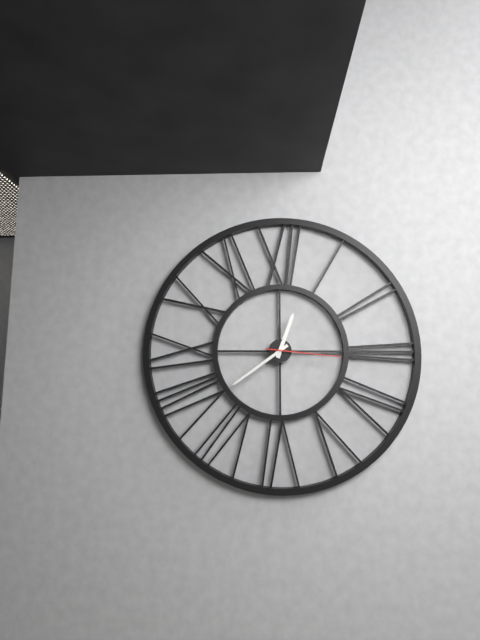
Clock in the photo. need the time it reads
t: 12:39:16
